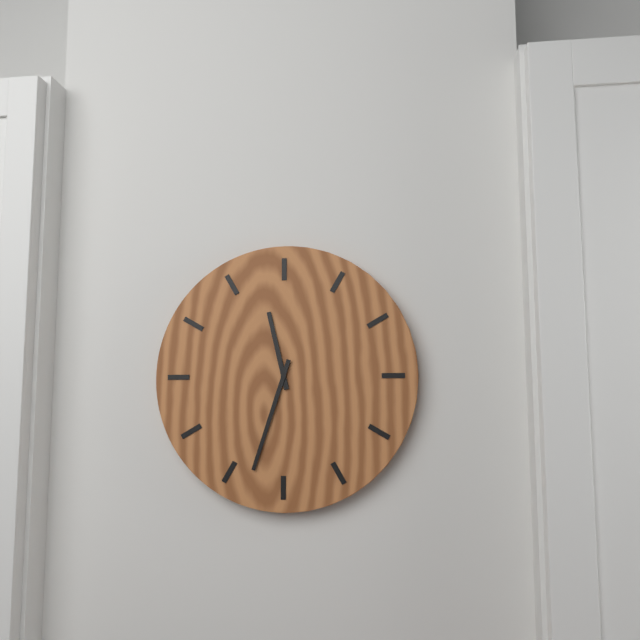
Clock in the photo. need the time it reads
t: 11:33
